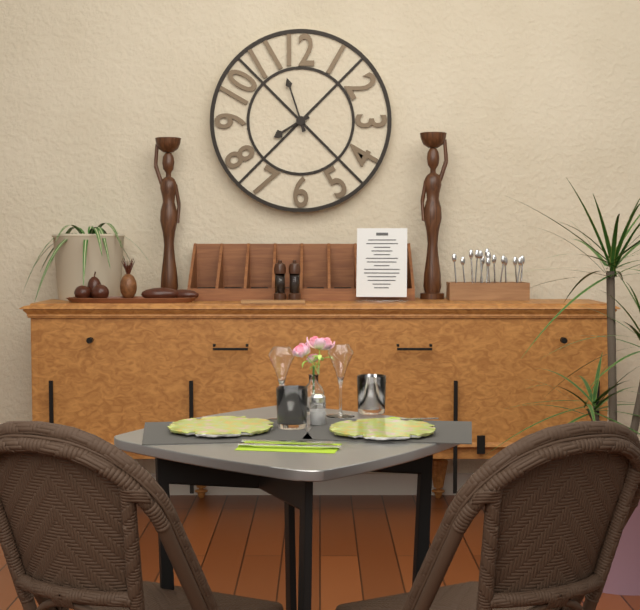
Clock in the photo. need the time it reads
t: 7:57
